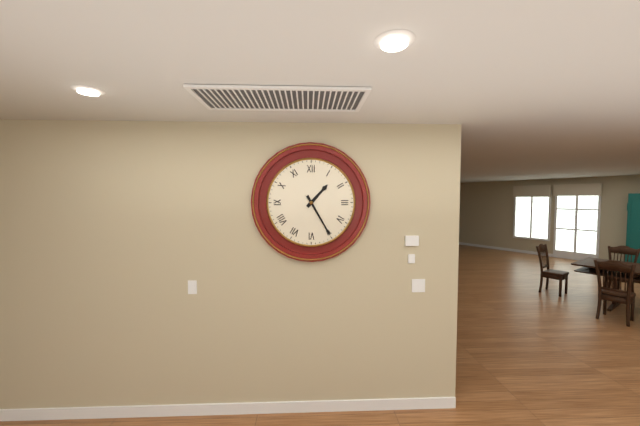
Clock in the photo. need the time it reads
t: 1:25
